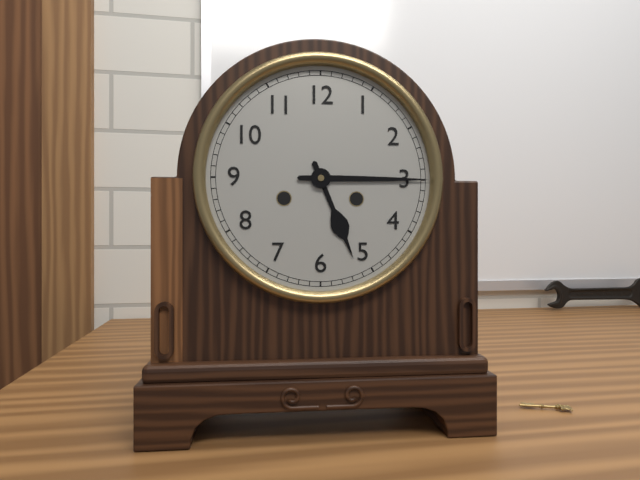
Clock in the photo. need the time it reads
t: 5:15
